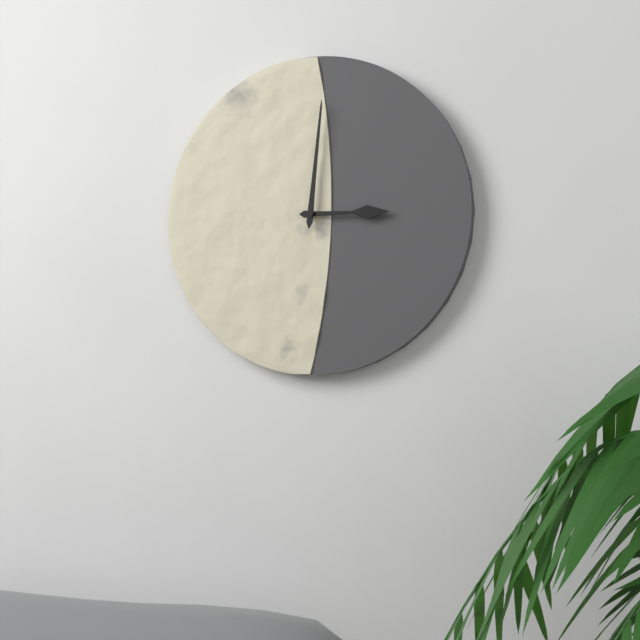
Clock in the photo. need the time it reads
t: 3:01
